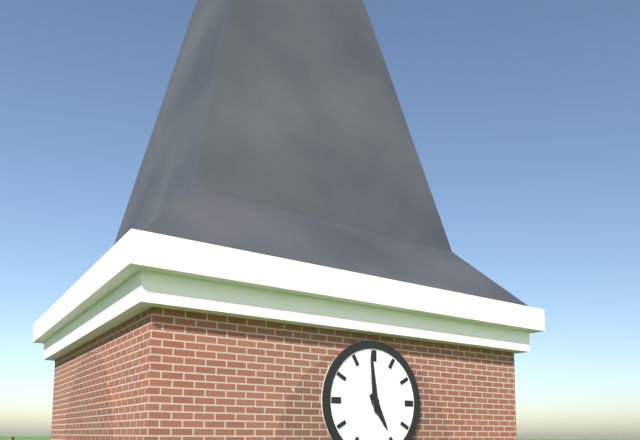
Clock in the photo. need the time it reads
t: 4:59
